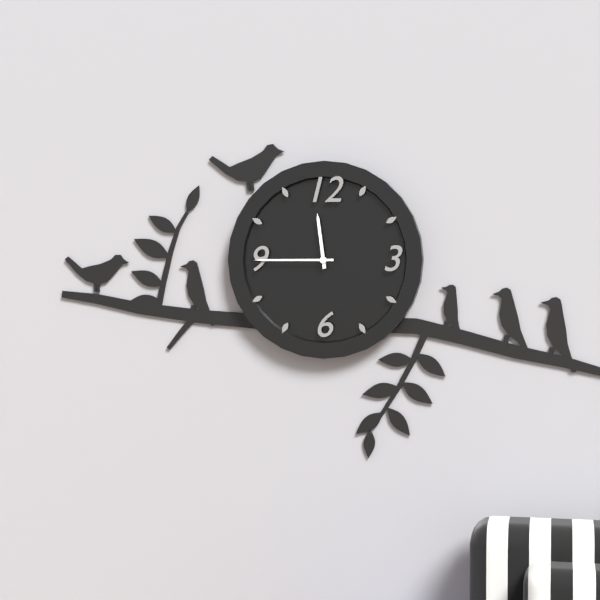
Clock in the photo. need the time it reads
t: 11:45
